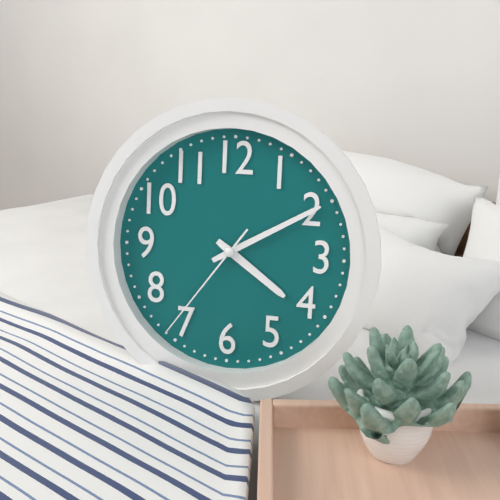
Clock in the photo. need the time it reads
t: 4:10:36
